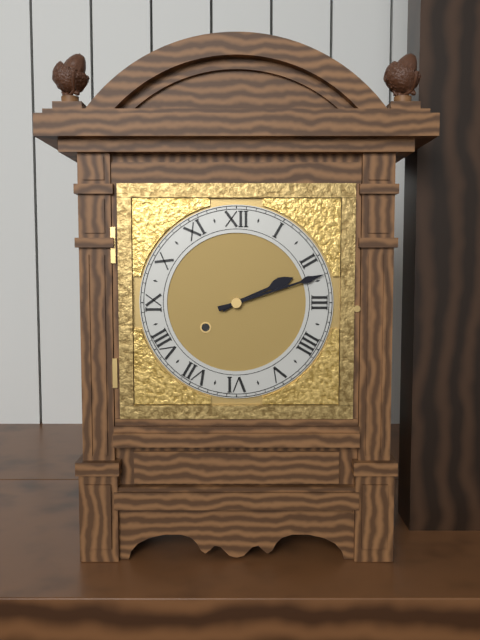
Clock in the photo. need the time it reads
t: 2:12
